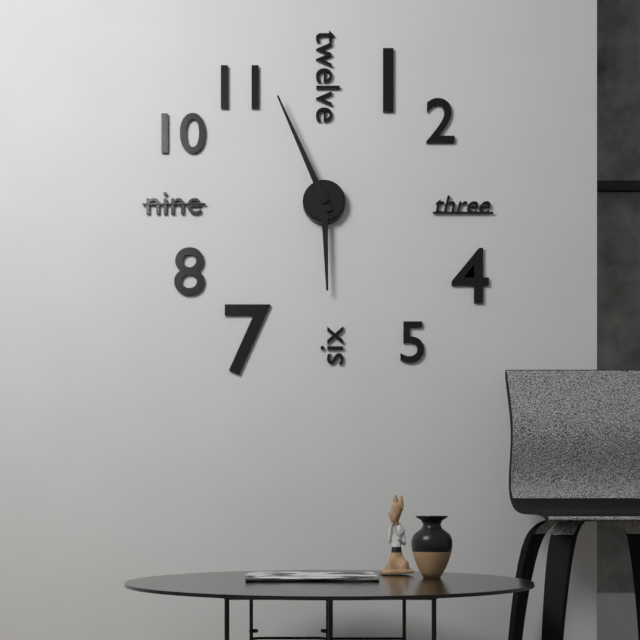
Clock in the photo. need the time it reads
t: 5:56
